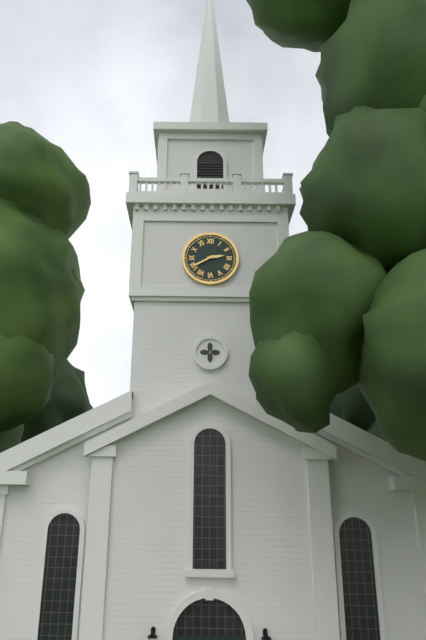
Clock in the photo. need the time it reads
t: 2:40
